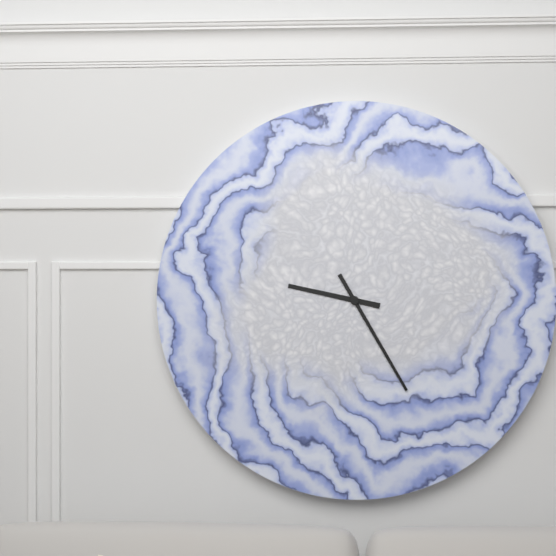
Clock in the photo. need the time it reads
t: 9:25
